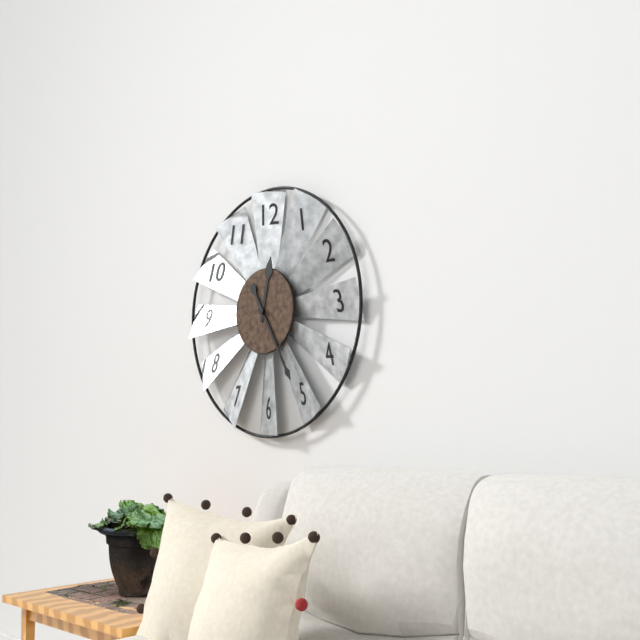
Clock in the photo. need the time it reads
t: 12:25
